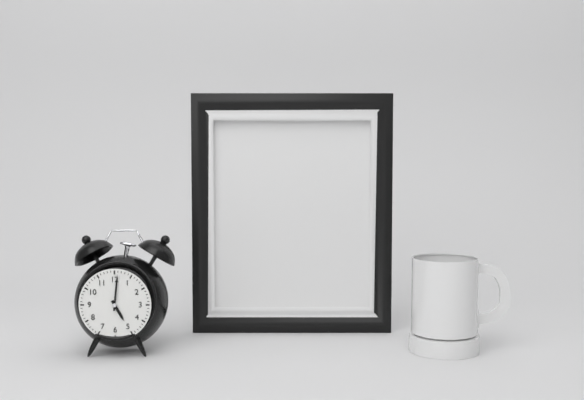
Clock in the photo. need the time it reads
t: 5:01
